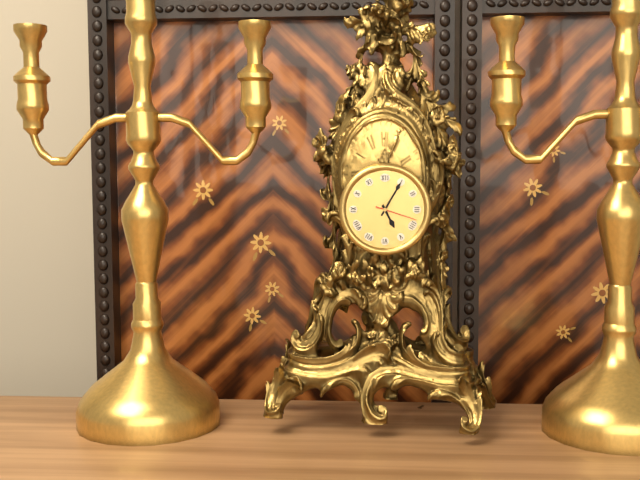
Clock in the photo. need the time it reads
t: 5:05
